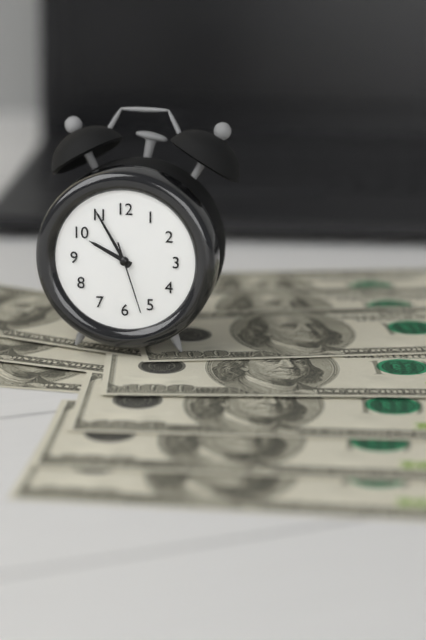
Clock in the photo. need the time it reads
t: 9:55:27
